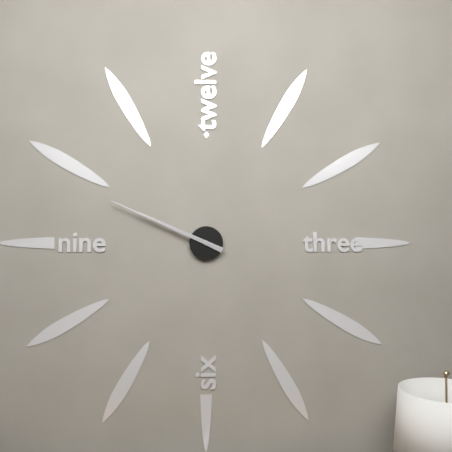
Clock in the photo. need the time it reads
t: 9:49
